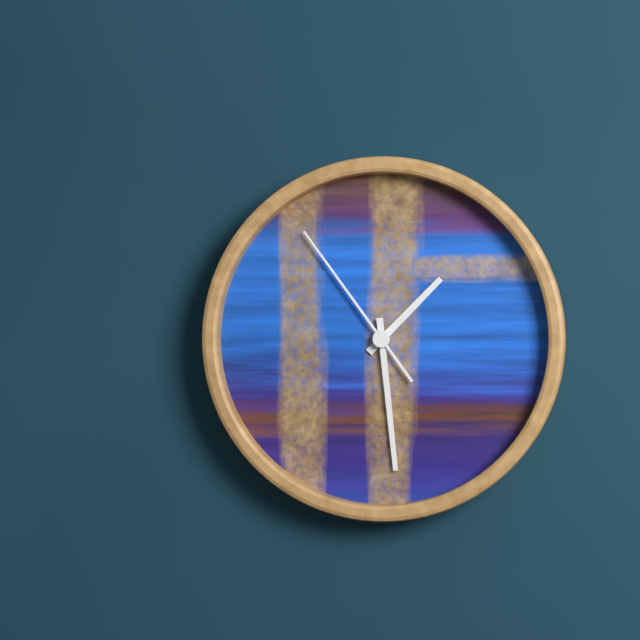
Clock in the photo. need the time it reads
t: 1:29:54
